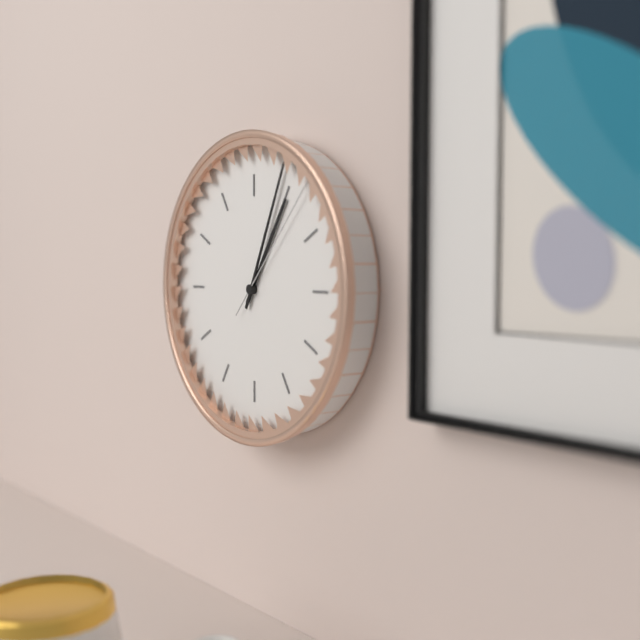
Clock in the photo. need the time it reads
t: 1:04:07
